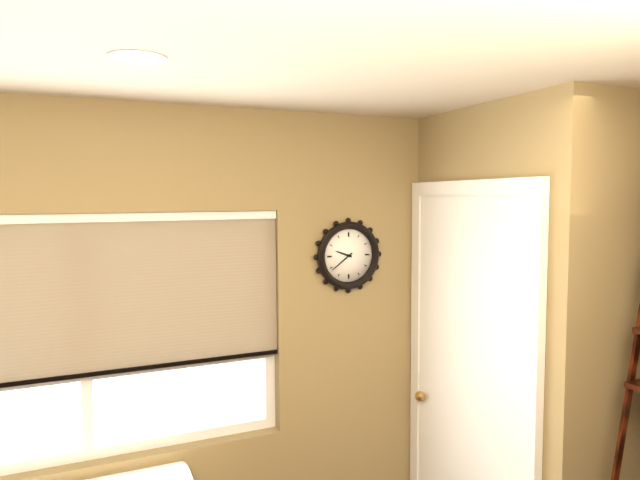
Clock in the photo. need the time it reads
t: 9:39
